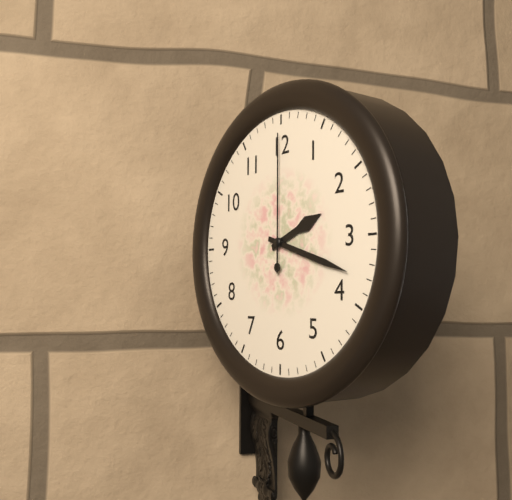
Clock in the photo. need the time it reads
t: 2:18:00
